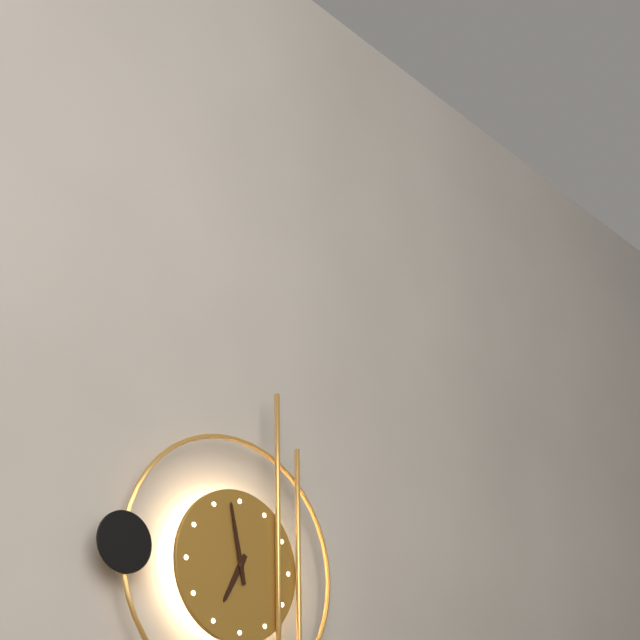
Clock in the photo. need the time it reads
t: 6:58
